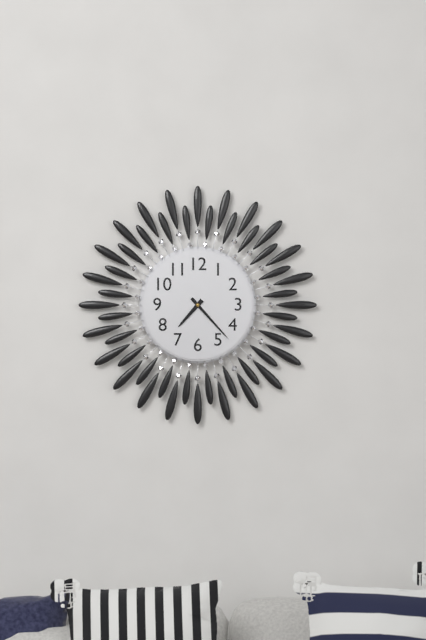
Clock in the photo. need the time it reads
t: 7:23
